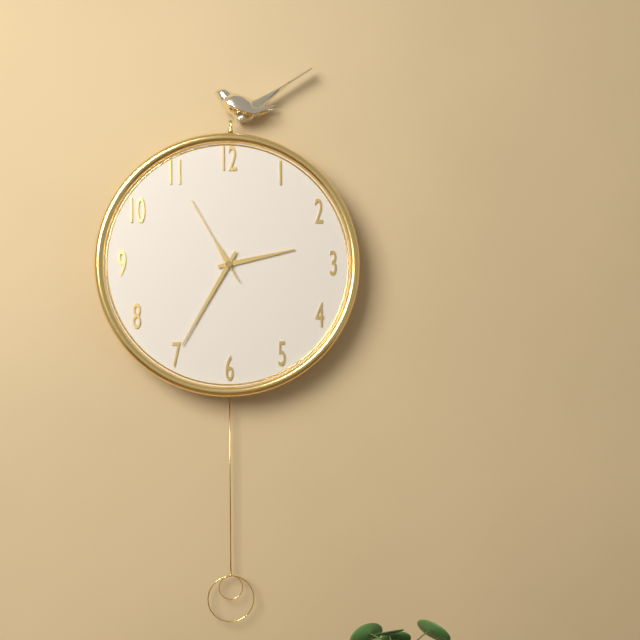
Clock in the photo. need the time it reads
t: 2:35:55
